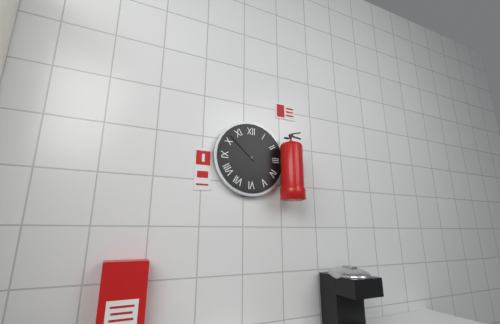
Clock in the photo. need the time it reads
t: 1:52
